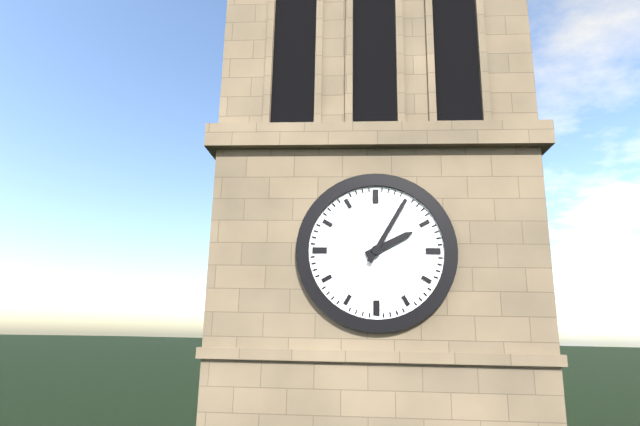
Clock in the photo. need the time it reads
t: 2:05
